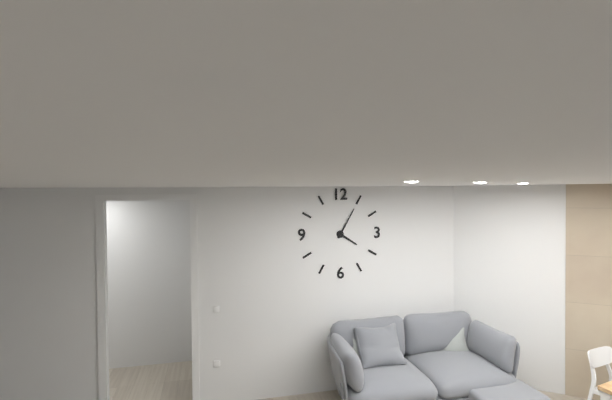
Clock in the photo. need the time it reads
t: 4:05
